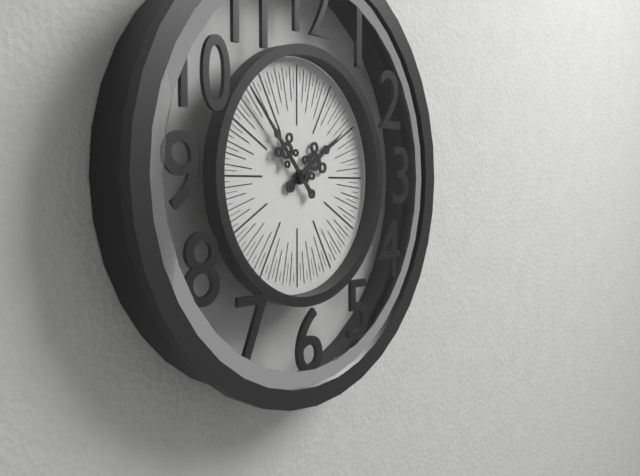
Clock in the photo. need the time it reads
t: 1:53
